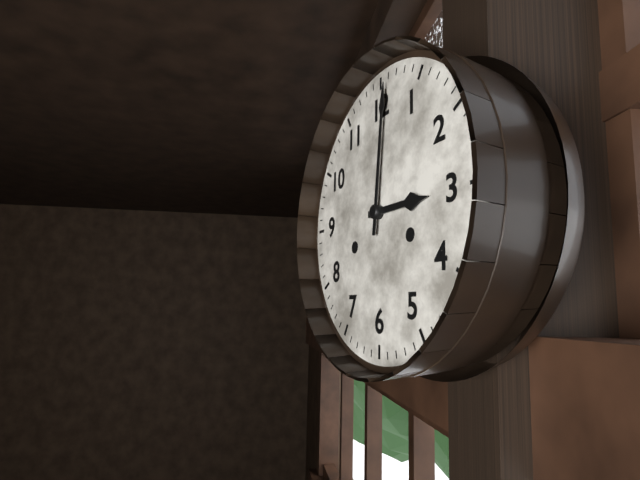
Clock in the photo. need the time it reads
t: 3:01
